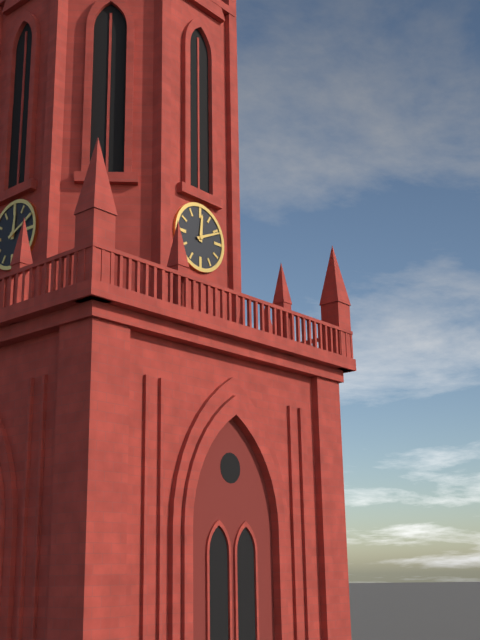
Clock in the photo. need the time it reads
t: 12:11
